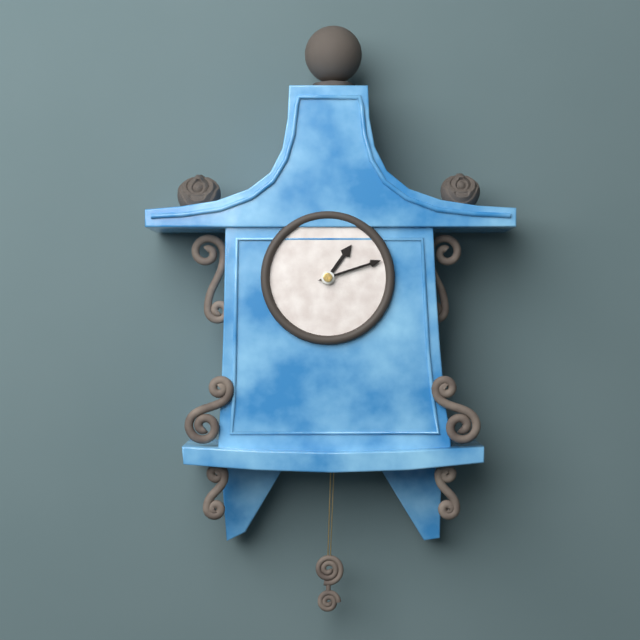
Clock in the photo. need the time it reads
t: 1:12
